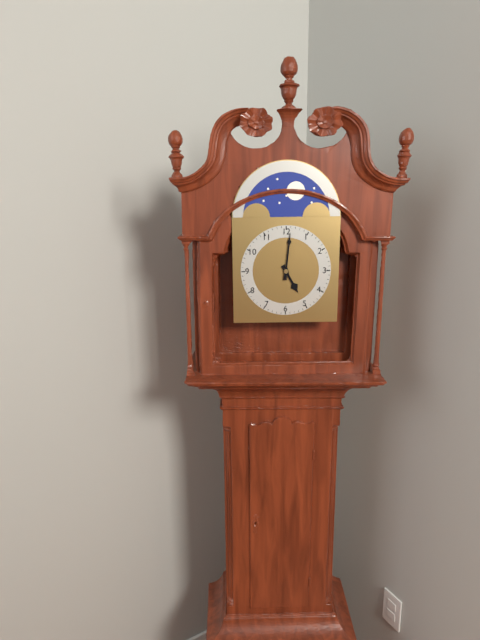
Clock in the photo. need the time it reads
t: 5:01
